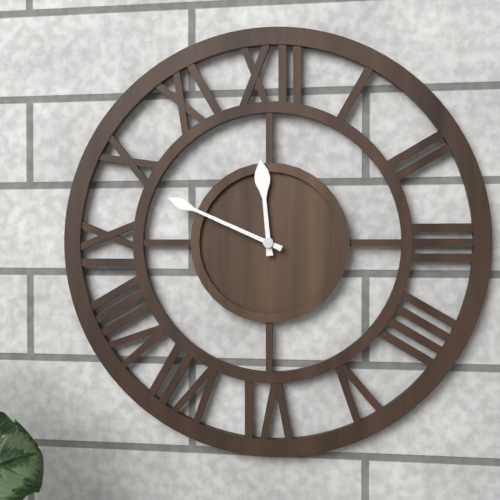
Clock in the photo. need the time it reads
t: 11:49
